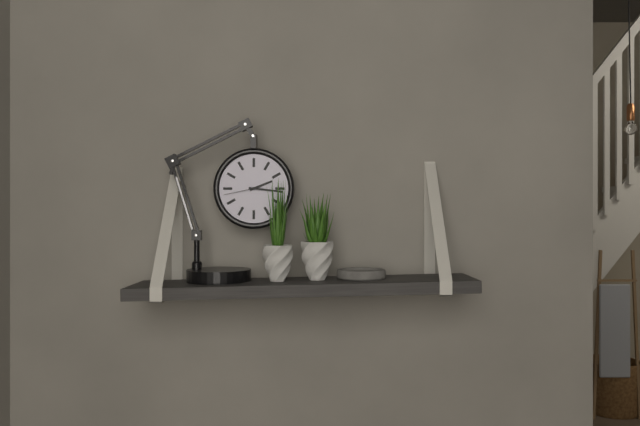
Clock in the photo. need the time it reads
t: 2:16
